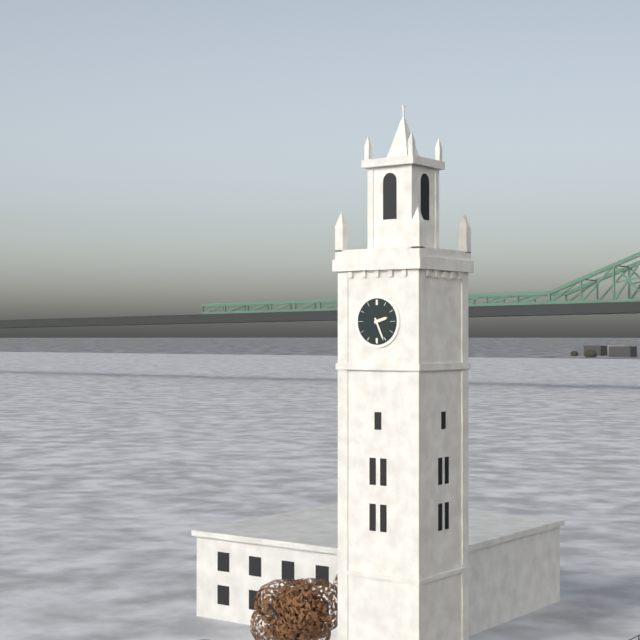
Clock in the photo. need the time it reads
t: 2:26
